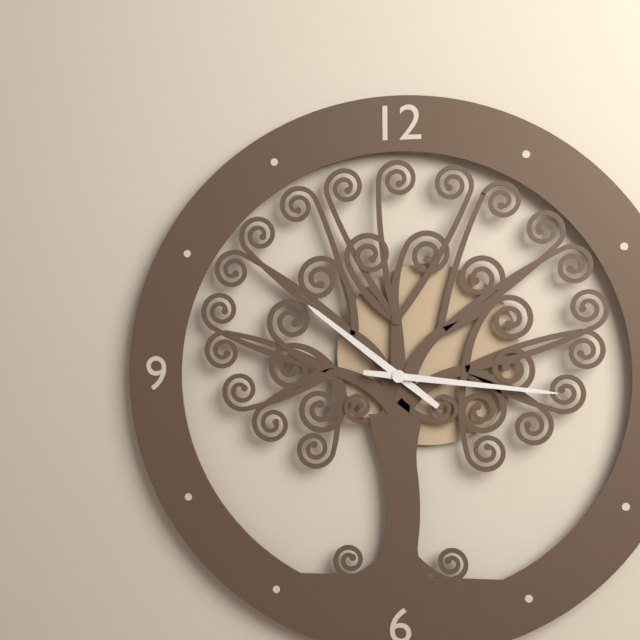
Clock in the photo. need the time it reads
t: 10:16
